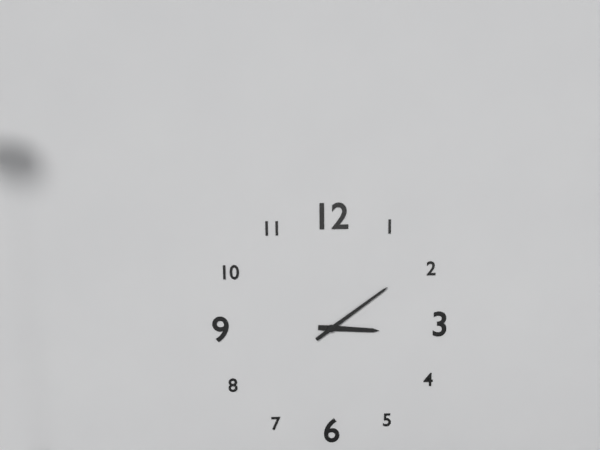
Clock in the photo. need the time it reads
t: 3:09
